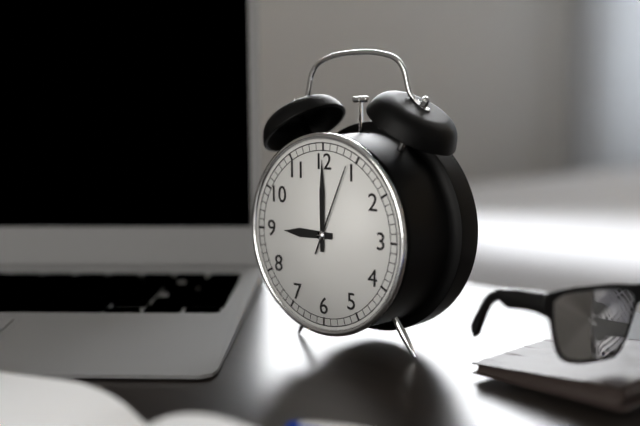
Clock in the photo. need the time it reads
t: 9:00:04
